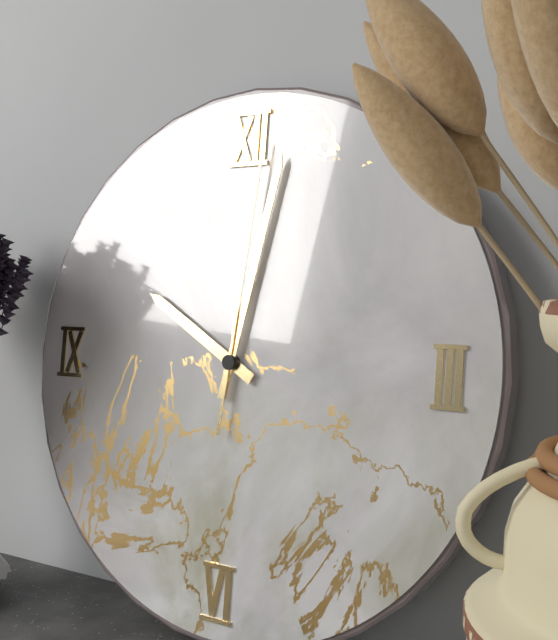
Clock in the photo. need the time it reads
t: 10:02:01
